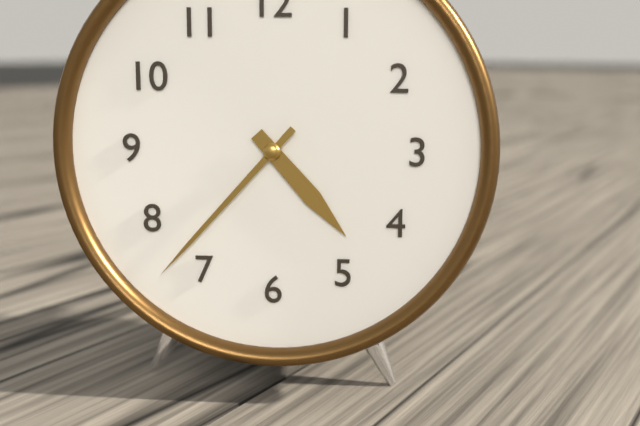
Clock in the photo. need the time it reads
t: 4:37
